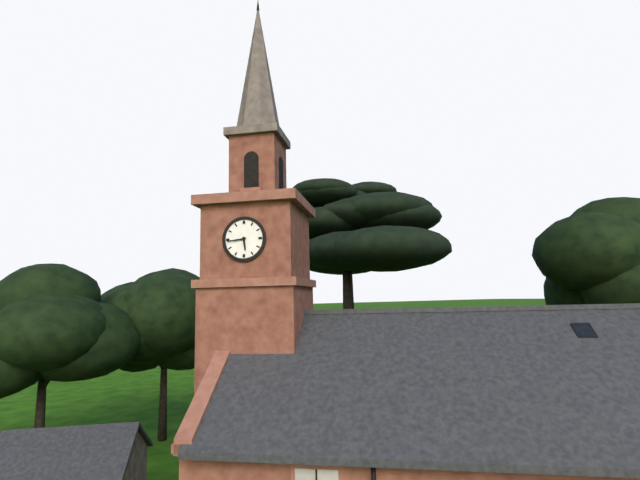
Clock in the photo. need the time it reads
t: 5:44
